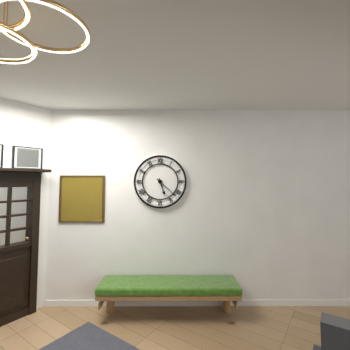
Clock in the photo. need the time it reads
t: 5:22
